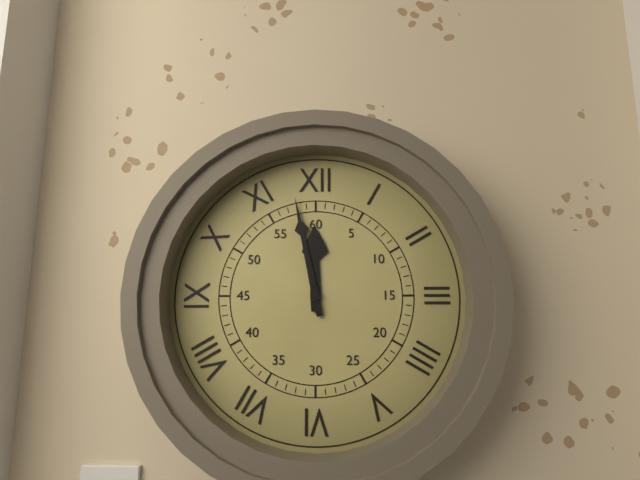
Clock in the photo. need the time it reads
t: 11:58
